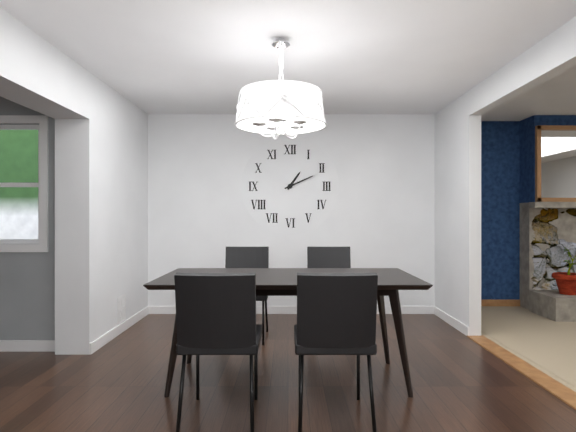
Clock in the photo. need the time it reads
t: 1:11
